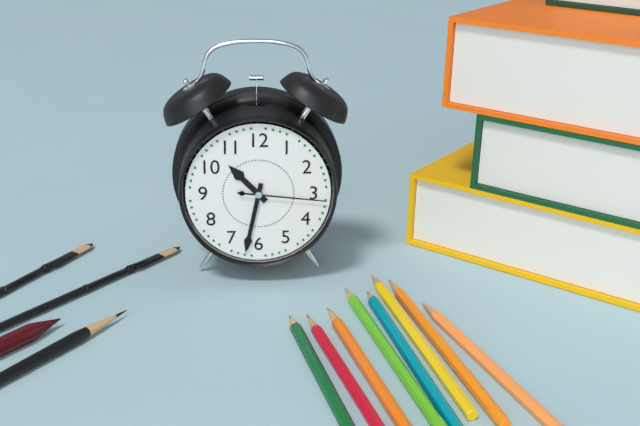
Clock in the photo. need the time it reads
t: 10:32:16
